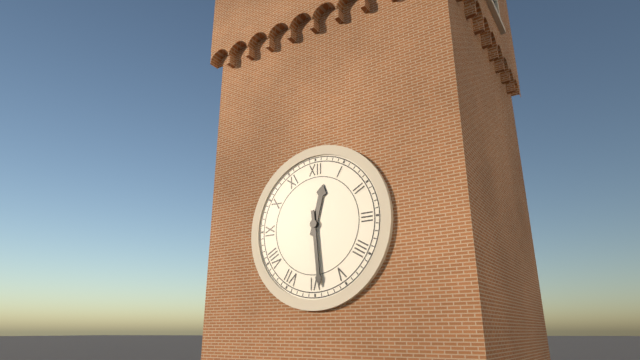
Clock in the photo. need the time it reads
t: 12:29
